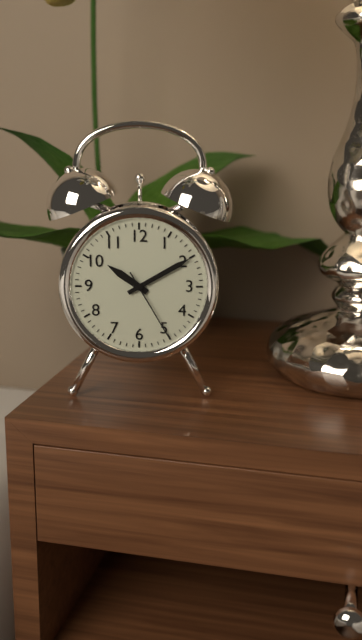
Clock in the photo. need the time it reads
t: 10:10:25
